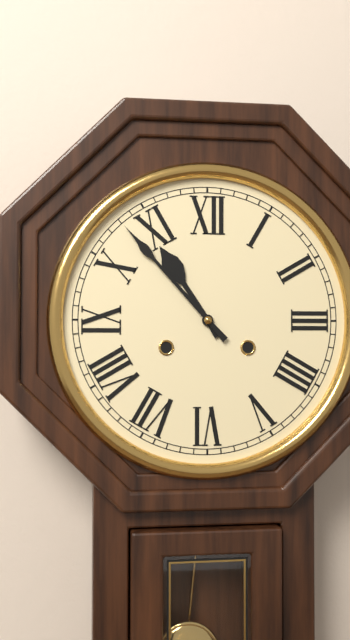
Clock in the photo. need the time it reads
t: 10:53
